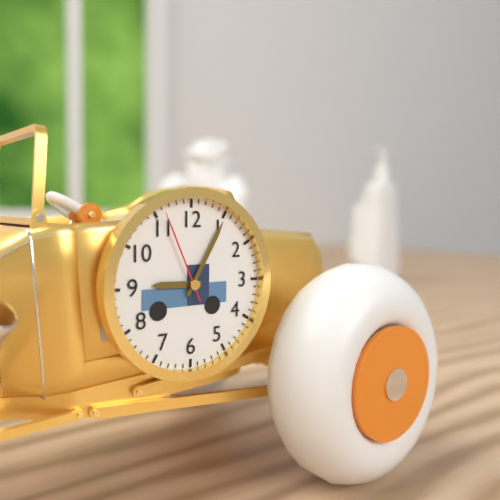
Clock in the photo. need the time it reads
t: 9:05:56
